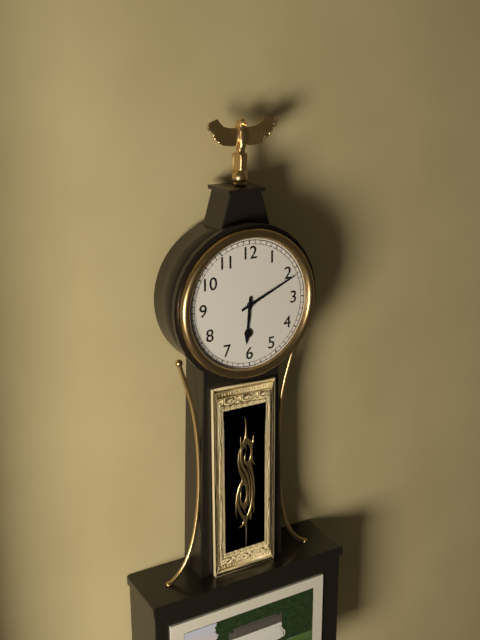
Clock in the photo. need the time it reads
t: 6:11
